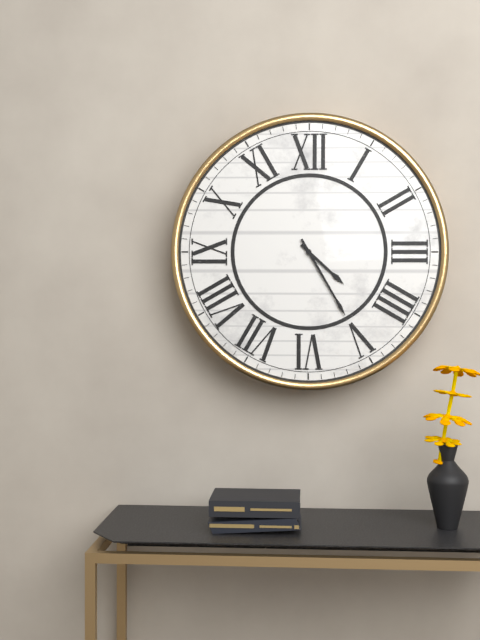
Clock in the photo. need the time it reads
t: 4:25
